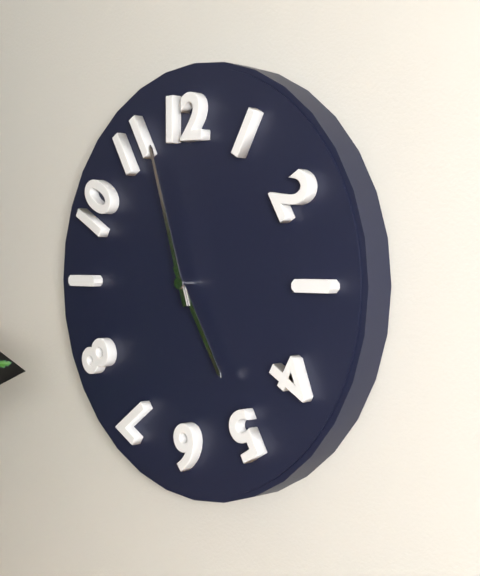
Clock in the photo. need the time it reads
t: 4:57
